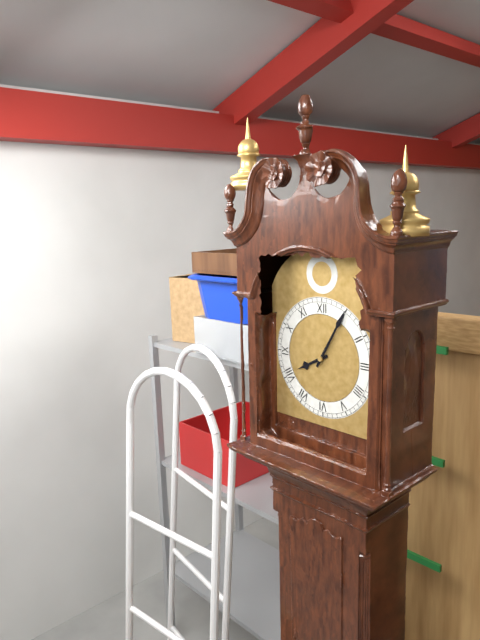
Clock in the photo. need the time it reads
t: 8:05
